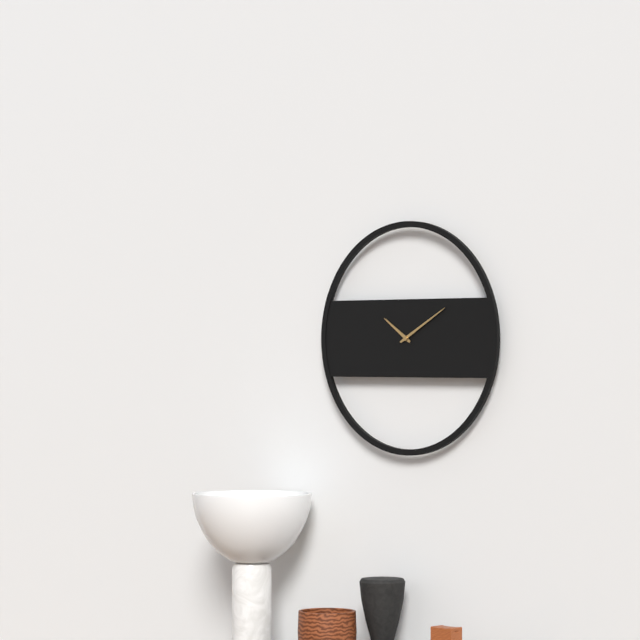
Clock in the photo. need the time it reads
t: 10:10
